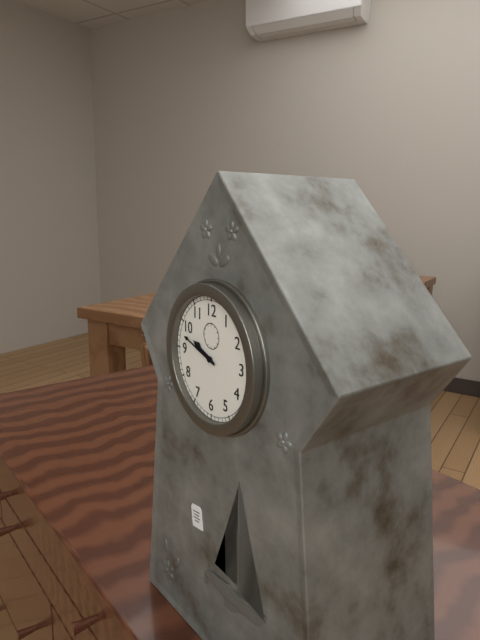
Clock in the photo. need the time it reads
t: 9:48
